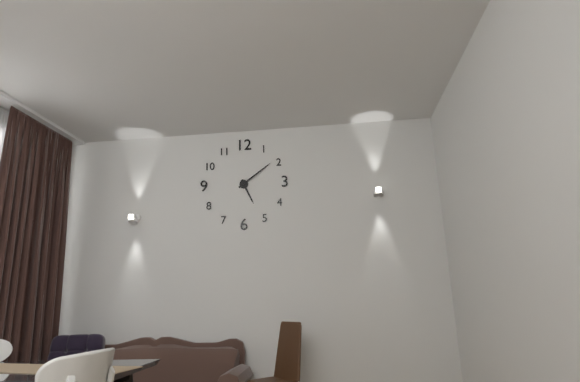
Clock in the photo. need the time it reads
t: 5:09
